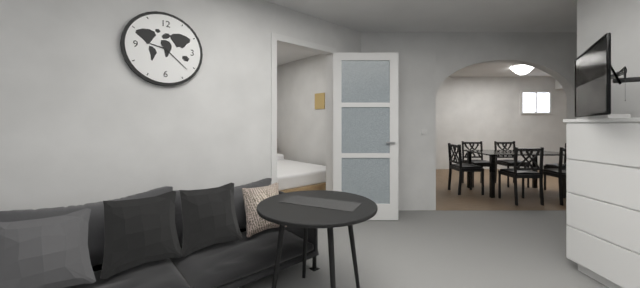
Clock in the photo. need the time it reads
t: 9:22
